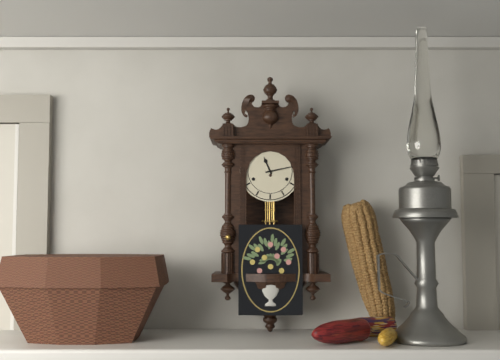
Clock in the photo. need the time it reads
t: 11:13
